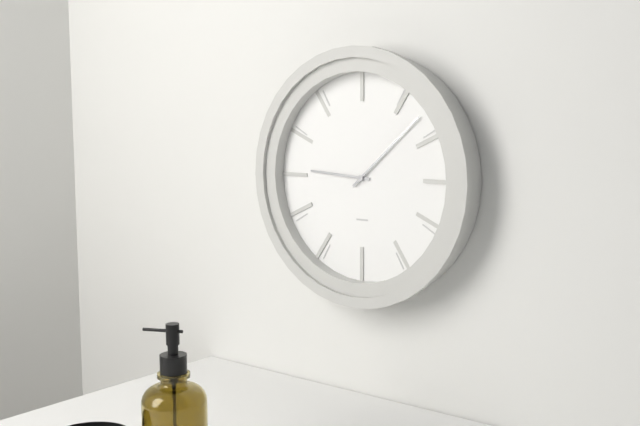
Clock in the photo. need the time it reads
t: 9:08
